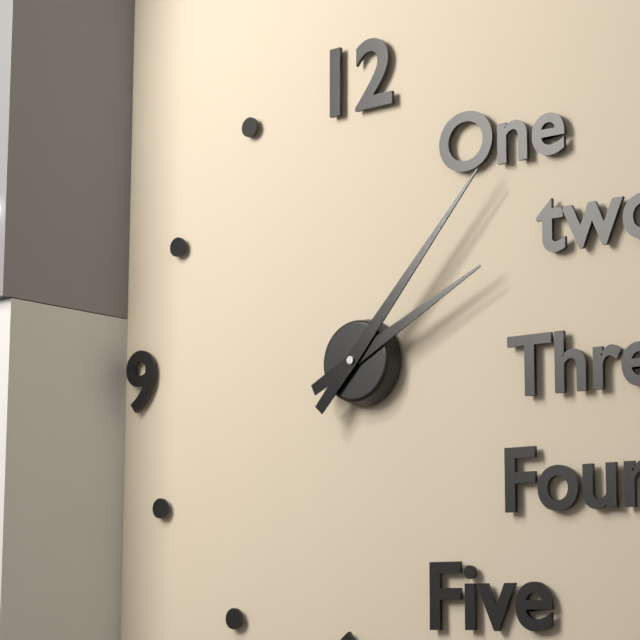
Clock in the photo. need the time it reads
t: 2:07
